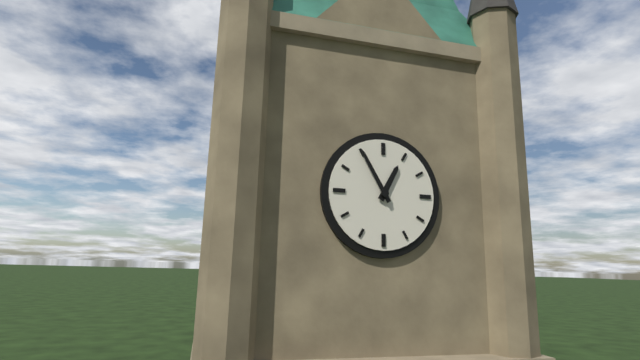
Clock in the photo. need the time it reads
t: 12:55
